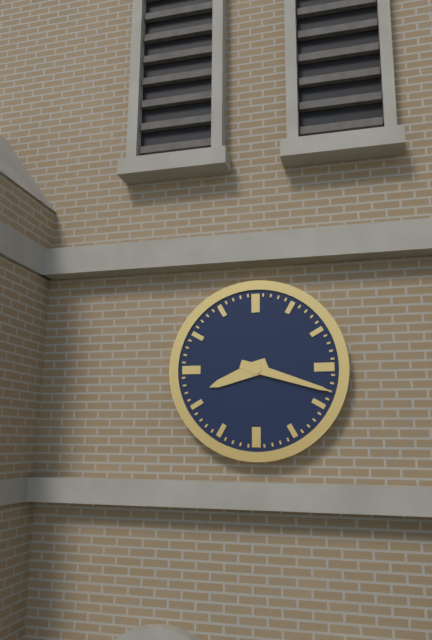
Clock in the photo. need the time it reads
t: 8:18
